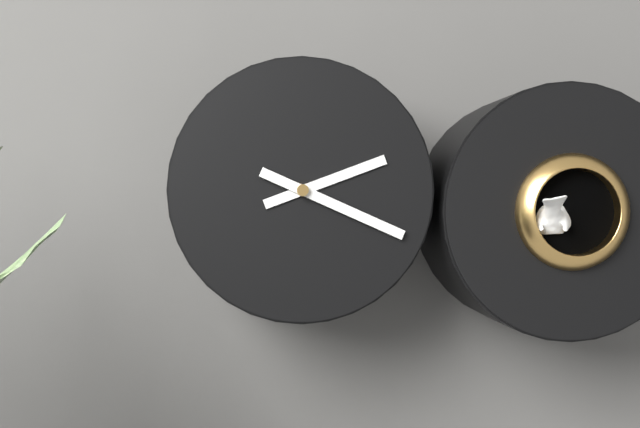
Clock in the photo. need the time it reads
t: 2:19
